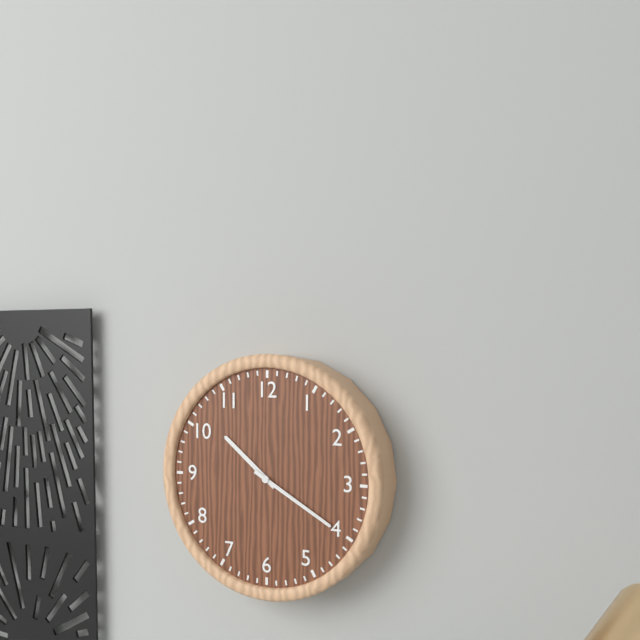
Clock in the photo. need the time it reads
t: 10:20
